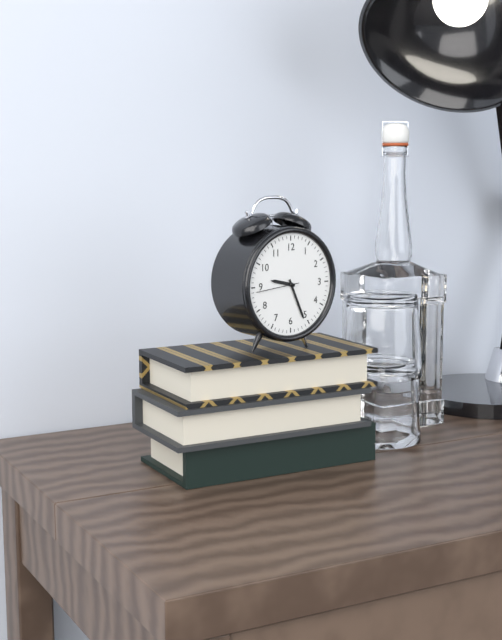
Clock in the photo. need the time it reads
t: 9:26
